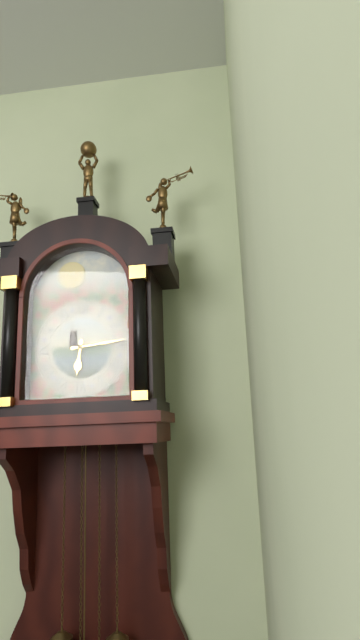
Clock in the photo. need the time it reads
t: 6:14
